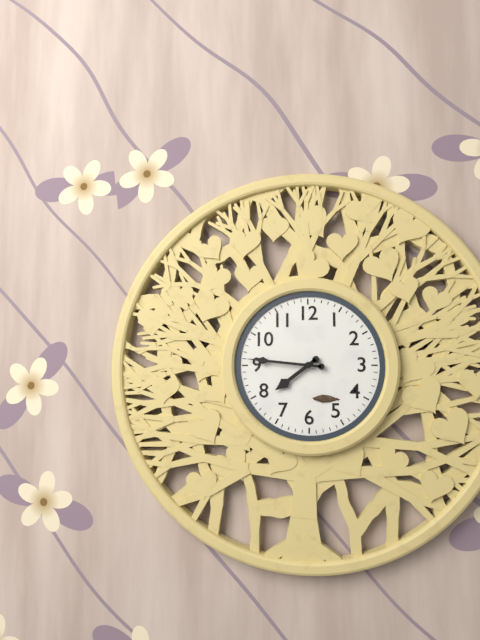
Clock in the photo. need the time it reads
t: 7:46
